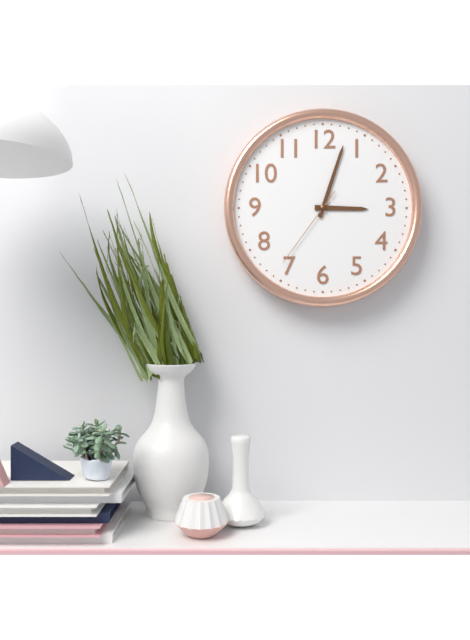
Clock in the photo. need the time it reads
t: 3:03:36
